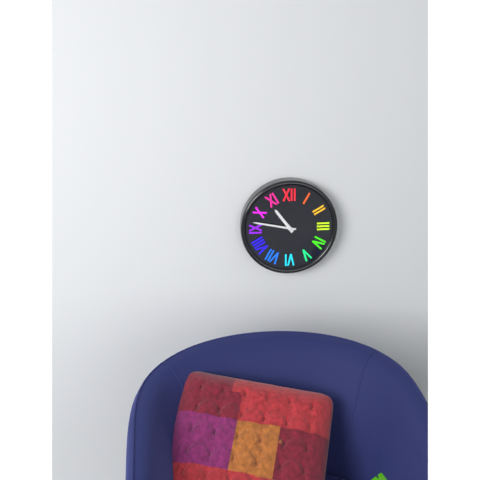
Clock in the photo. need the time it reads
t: 10:47
